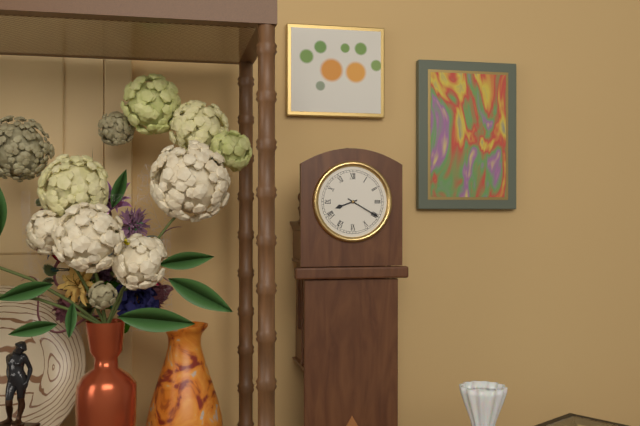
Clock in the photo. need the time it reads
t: 8:20
